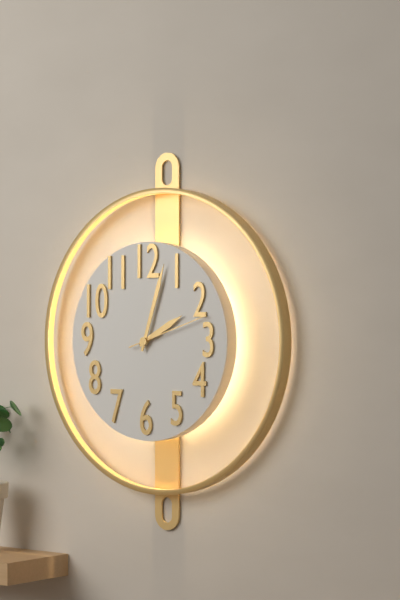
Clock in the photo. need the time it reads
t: 2:03:12
